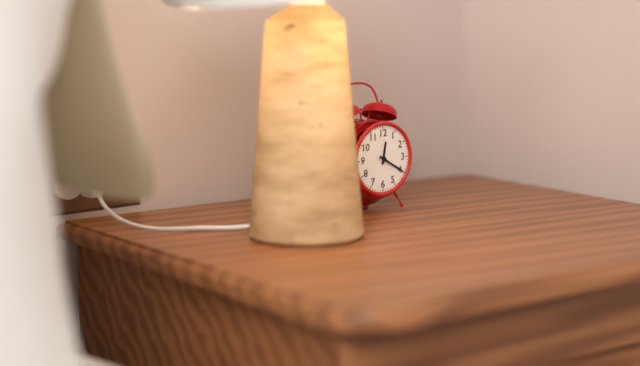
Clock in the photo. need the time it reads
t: 12:20
